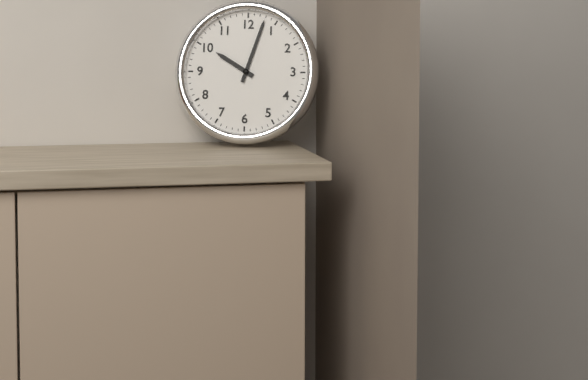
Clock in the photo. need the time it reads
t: 10:03
